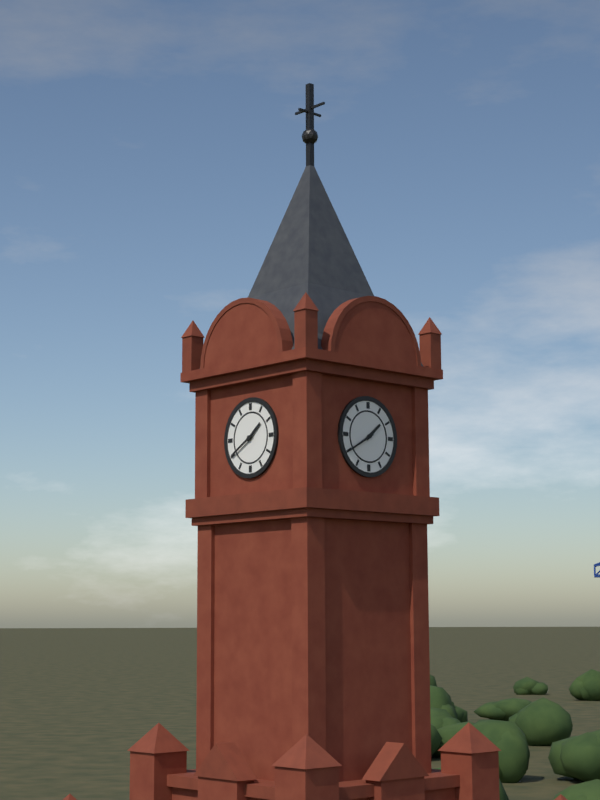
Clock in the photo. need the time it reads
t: 1:40
